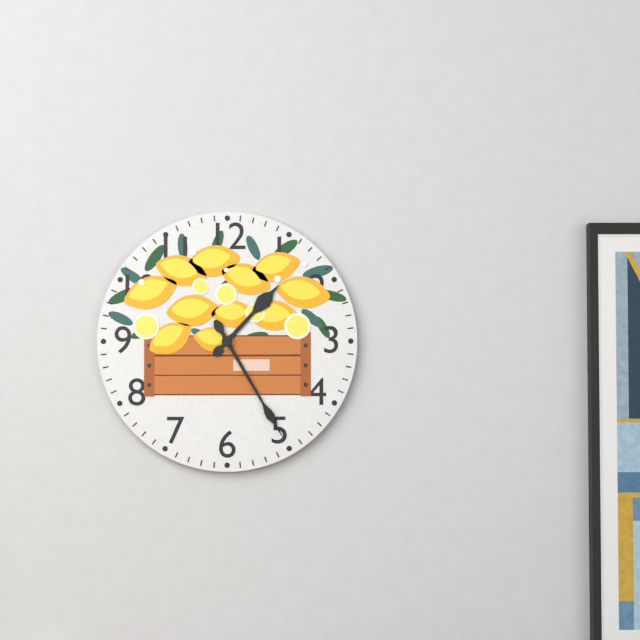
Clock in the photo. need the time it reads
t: 1:25
